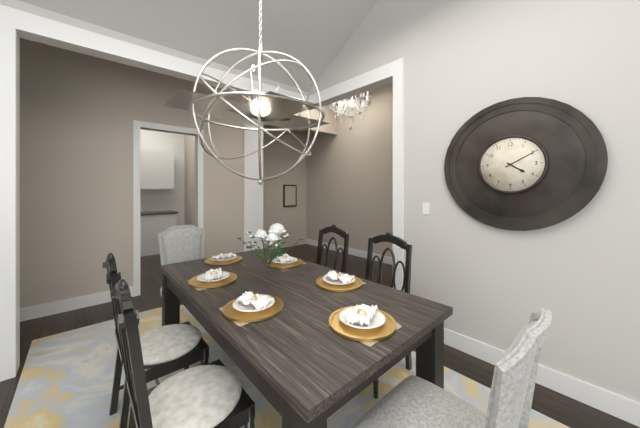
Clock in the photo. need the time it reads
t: 4:10
